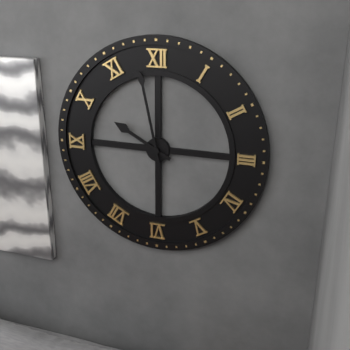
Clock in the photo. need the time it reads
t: 9:58
